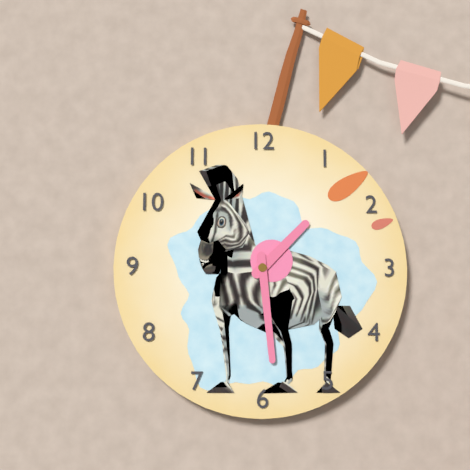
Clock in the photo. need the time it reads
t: 1:29
